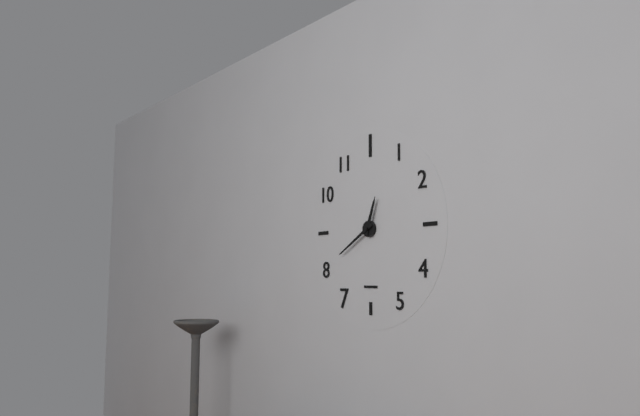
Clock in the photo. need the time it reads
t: 12:40
